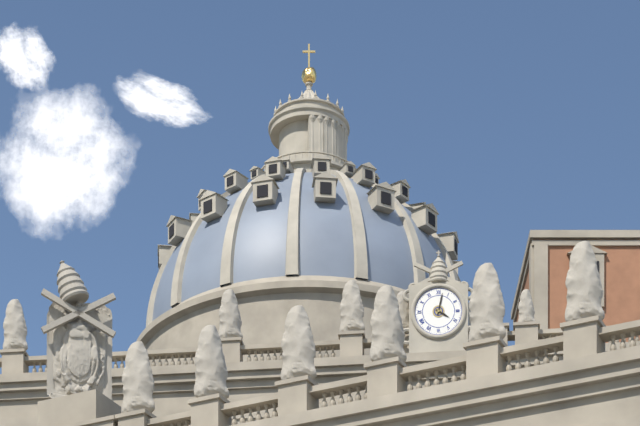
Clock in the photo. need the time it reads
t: 4:02
